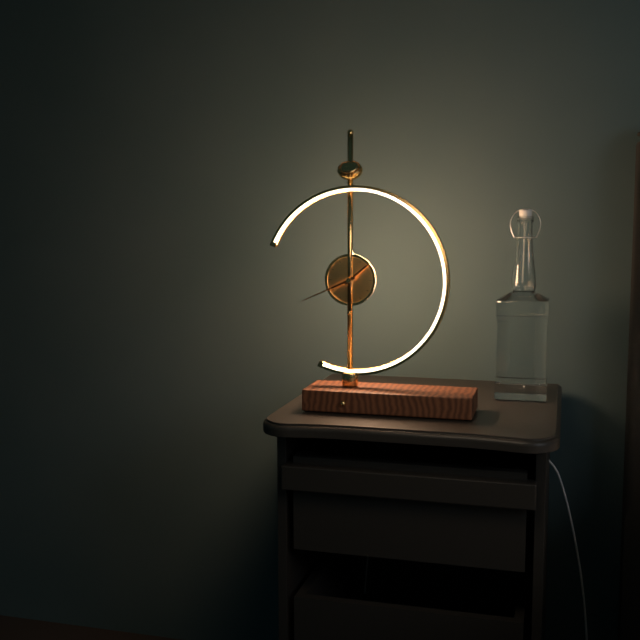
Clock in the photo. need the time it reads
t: 1:41
